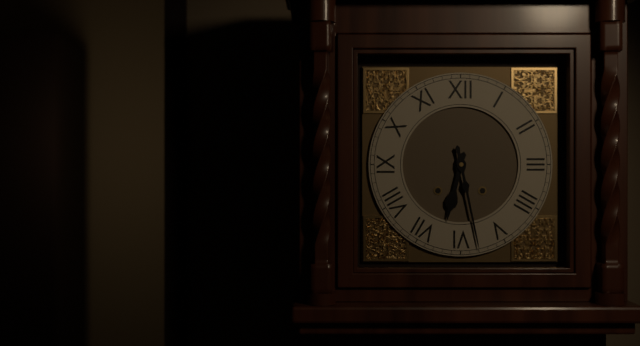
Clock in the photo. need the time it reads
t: 6:28
